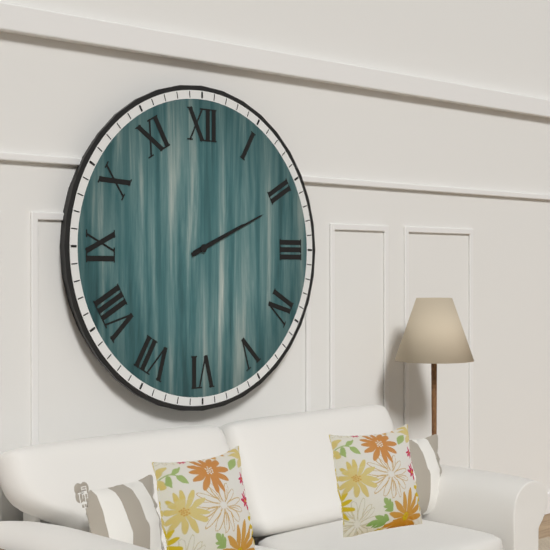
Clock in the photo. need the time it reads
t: 2:11
